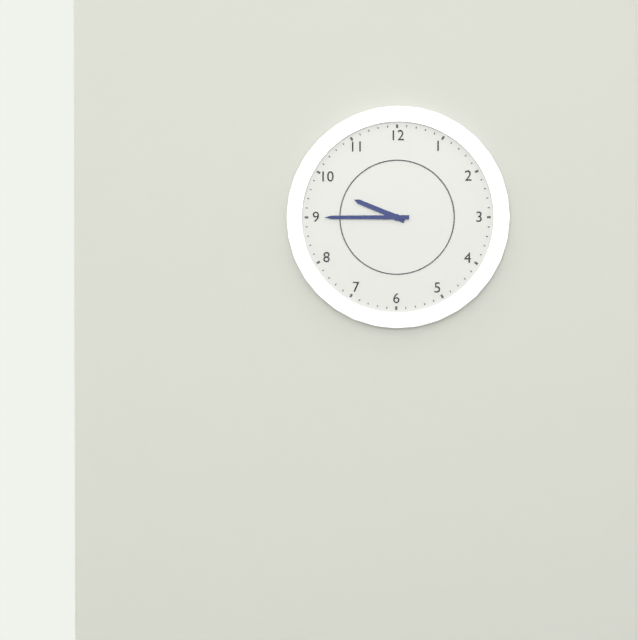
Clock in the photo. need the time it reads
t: 9:45
